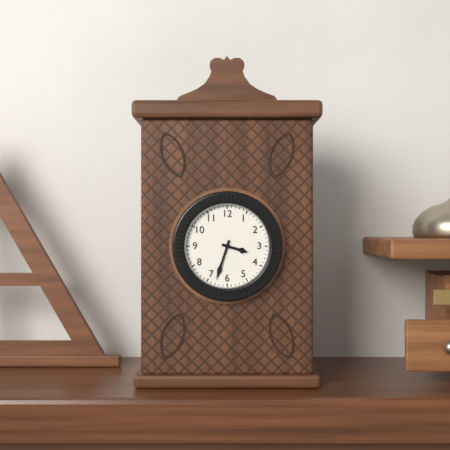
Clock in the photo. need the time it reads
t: 3:33
